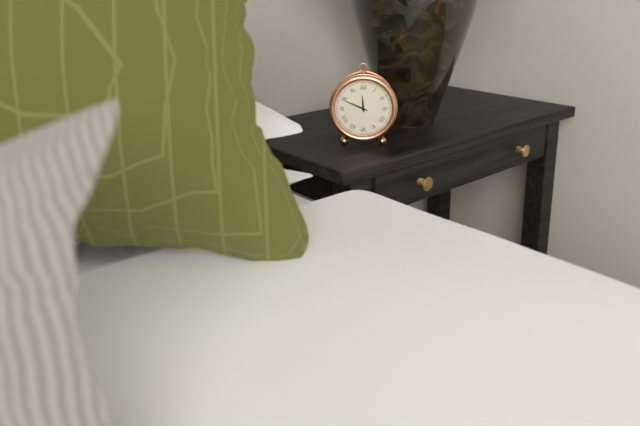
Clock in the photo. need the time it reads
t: 11:49
